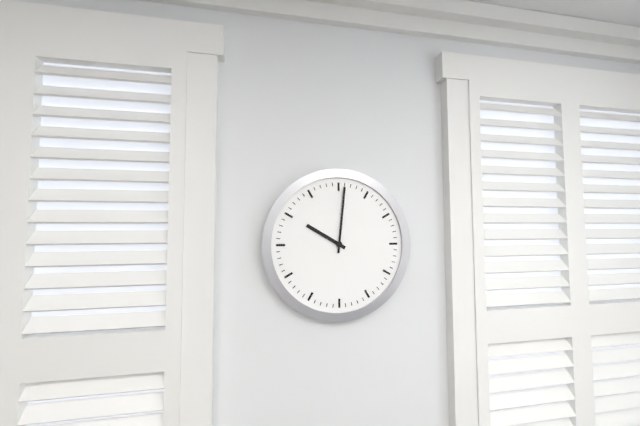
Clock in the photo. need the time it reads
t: 10:01
